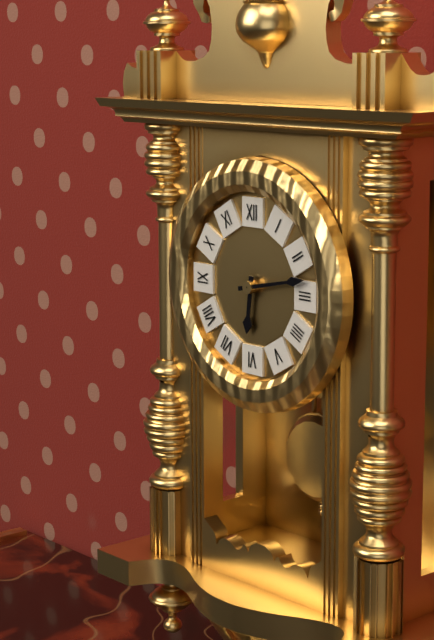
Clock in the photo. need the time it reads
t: 6:13
